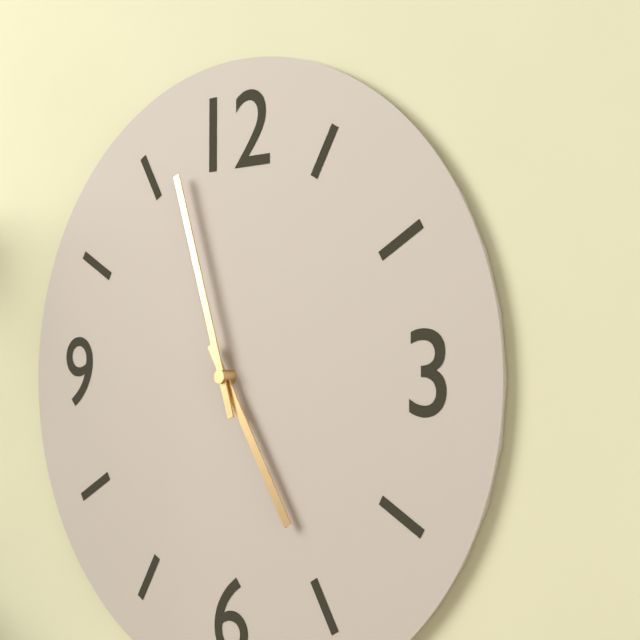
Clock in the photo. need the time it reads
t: 4:57
